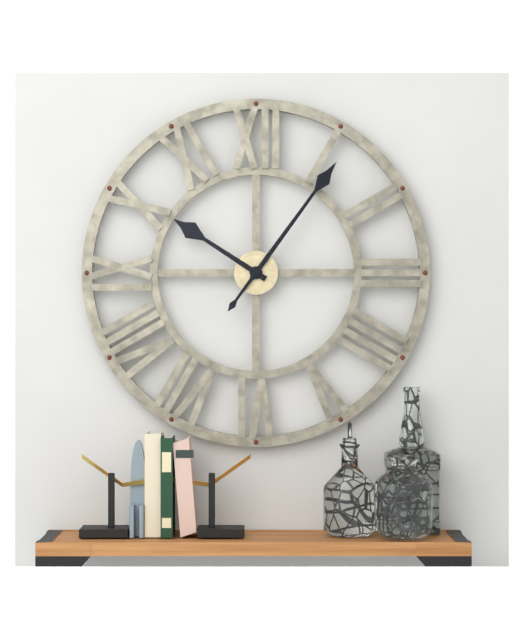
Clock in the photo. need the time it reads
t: 10:06
